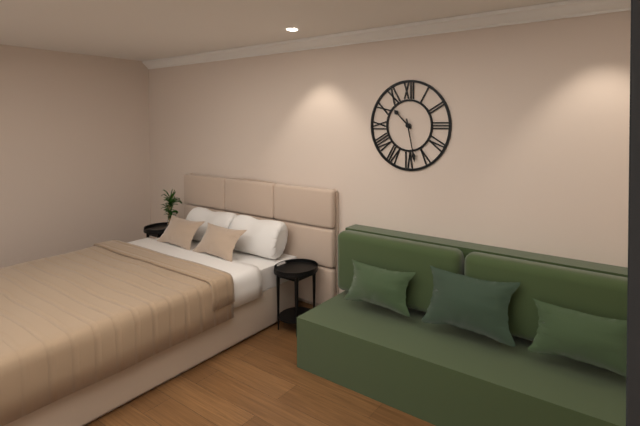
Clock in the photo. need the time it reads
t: 10:28
